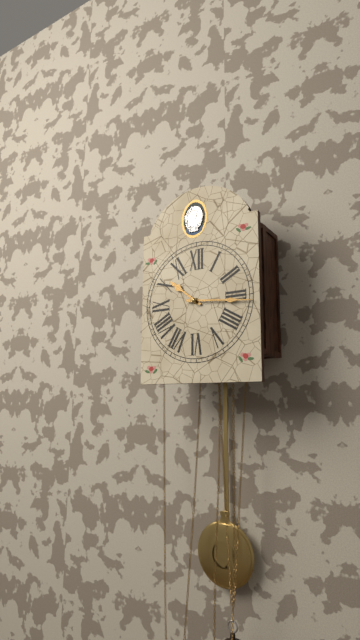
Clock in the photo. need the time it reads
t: 10:16
